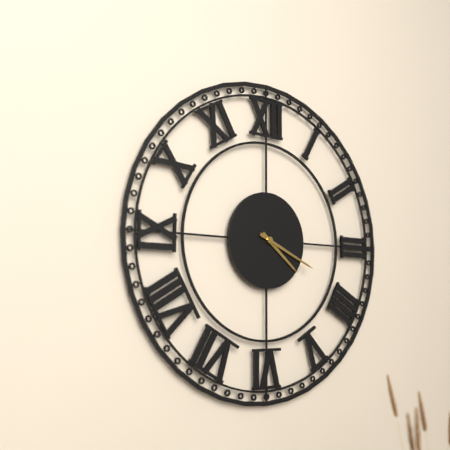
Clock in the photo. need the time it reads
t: 4:19
